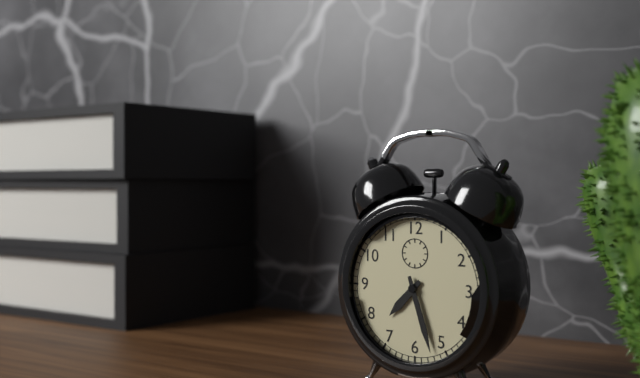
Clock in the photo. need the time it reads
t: 7:27
